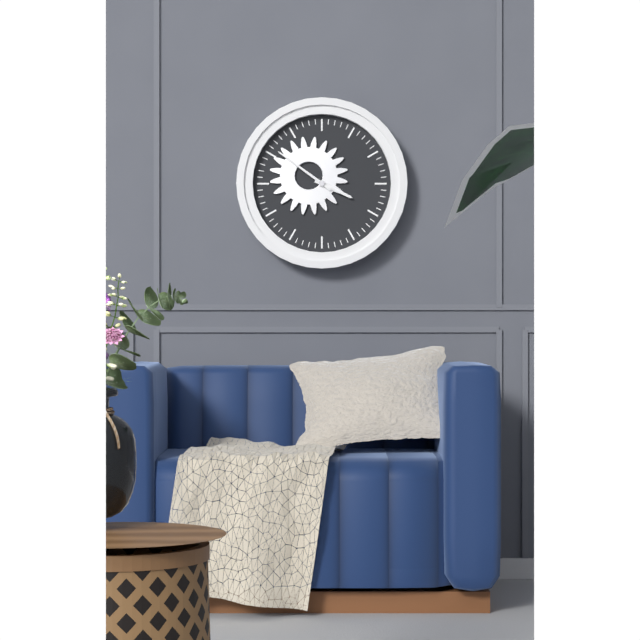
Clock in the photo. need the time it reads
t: 3:51
